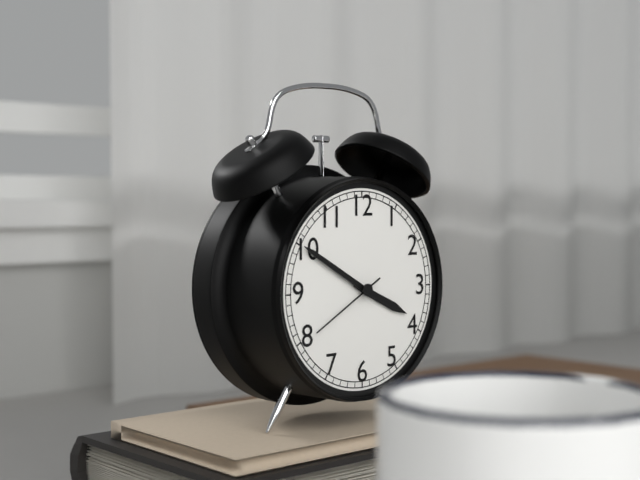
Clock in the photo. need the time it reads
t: 3:50:40
